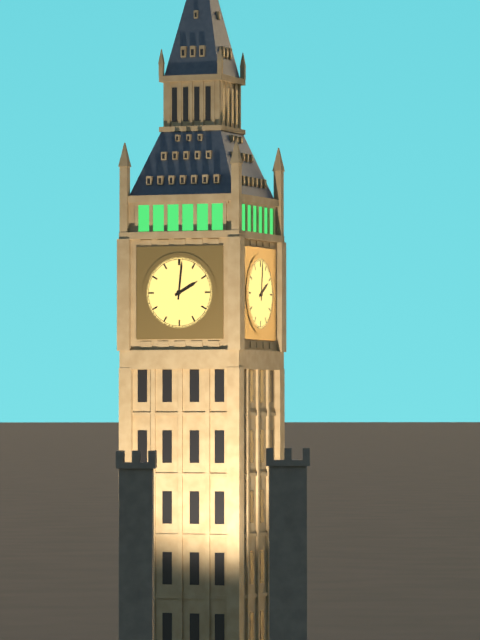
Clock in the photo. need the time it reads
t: 2:01
